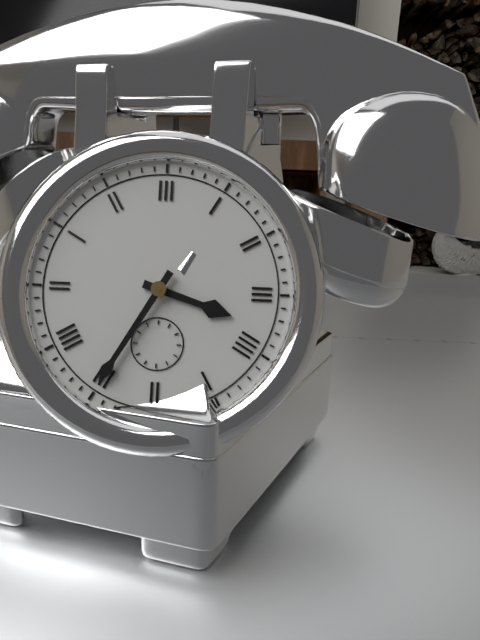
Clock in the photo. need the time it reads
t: 3:35
